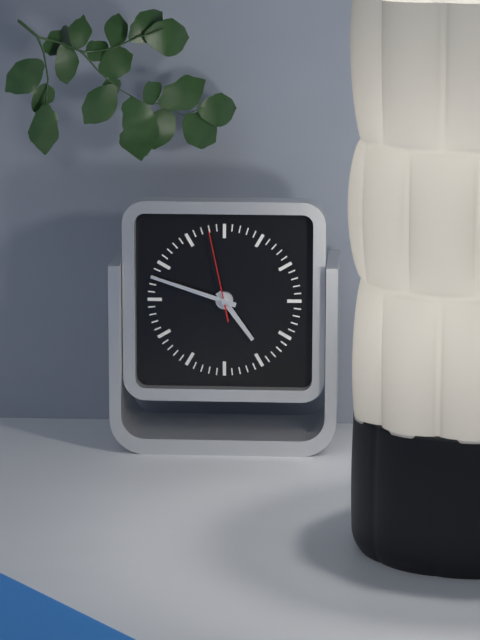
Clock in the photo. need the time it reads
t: 4:48:58
